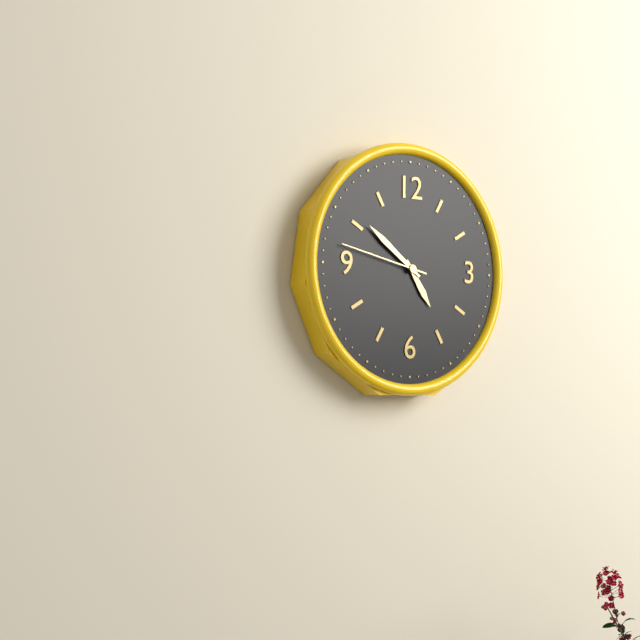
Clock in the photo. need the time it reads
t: 4:51:47
